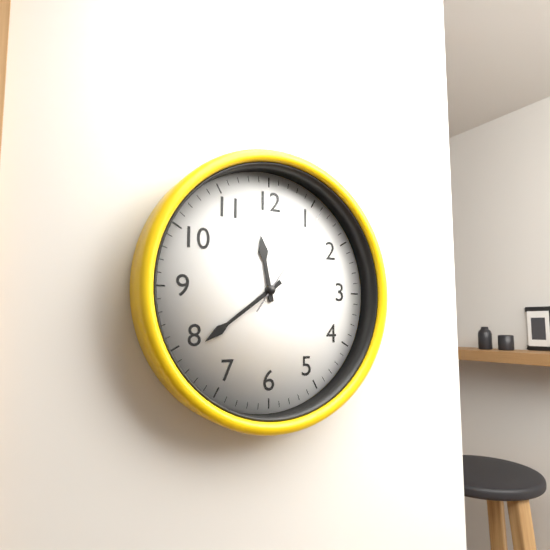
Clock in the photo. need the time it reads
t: 11:39:06
